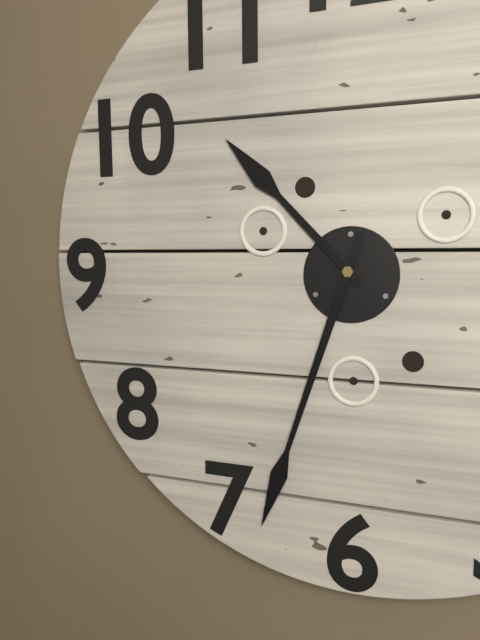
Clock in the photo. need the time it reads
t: 10:33
